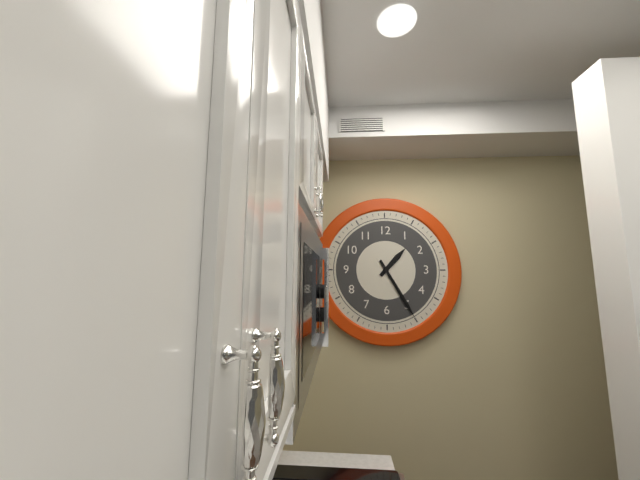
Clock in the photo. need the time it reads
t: 1:25
